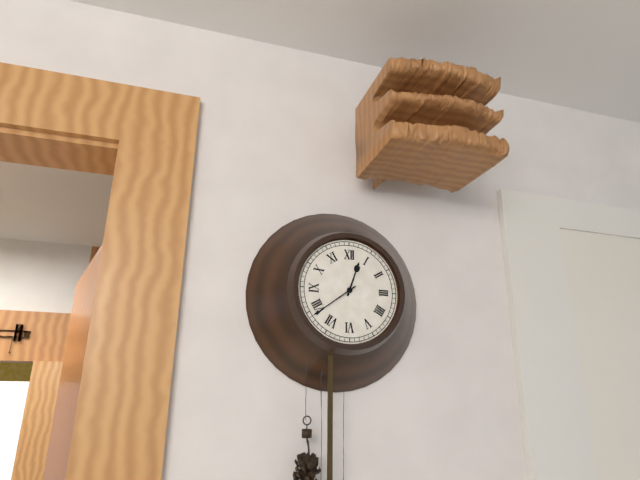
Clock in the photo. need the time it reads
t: 12:39
